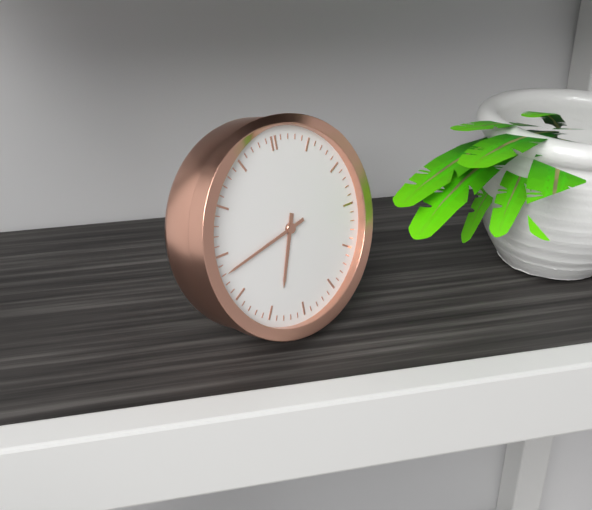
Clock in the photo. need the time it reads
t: 6:43
